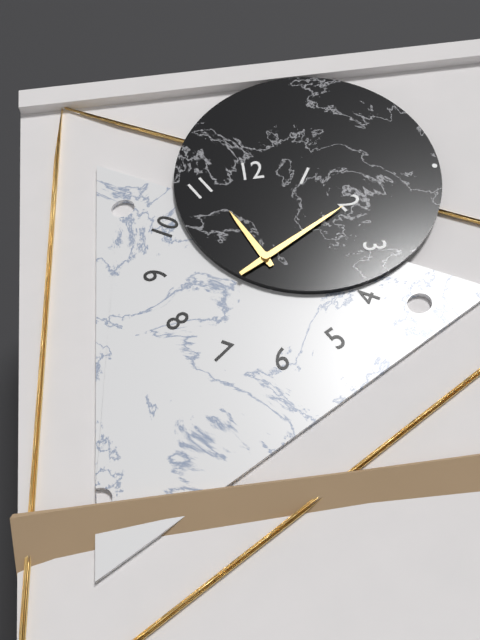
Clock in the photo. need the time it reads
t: 11:10
